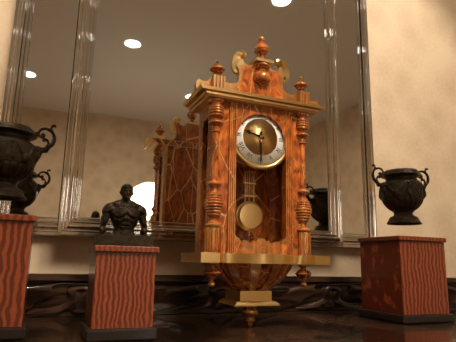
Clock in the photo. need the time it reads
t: 9:30
